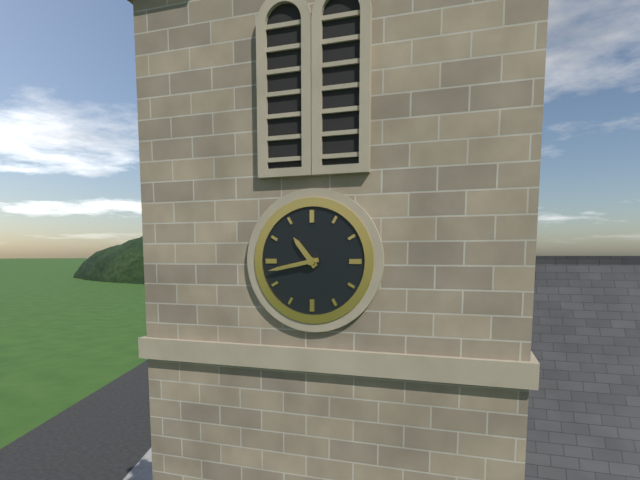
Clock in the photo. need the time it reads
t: 10:43
